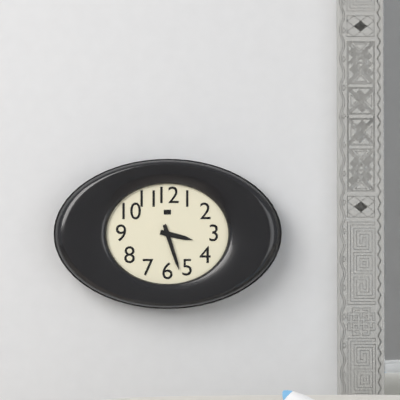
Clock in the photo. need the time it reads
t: 3:27
